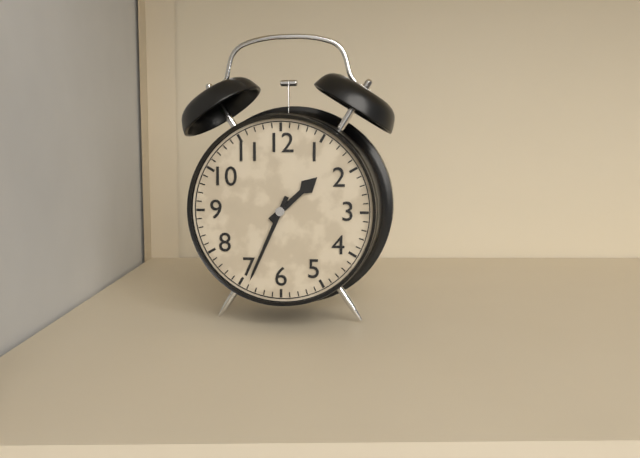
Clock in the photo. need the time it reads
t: 1:34
